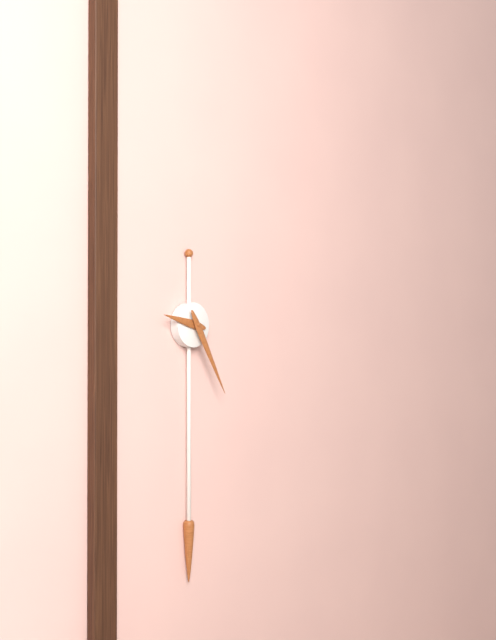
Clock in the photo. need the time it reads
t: 9:25
